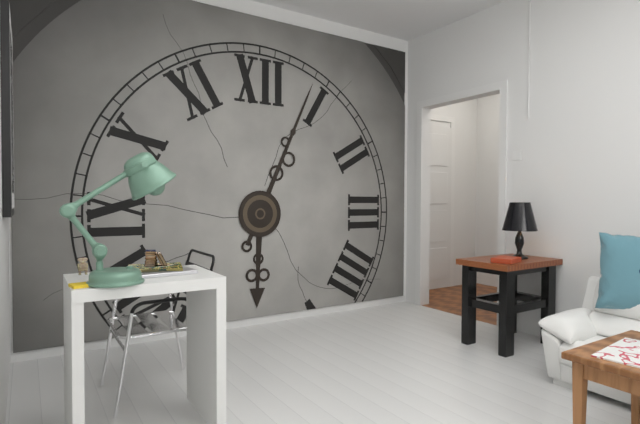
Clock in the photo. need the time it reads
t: 6:04
